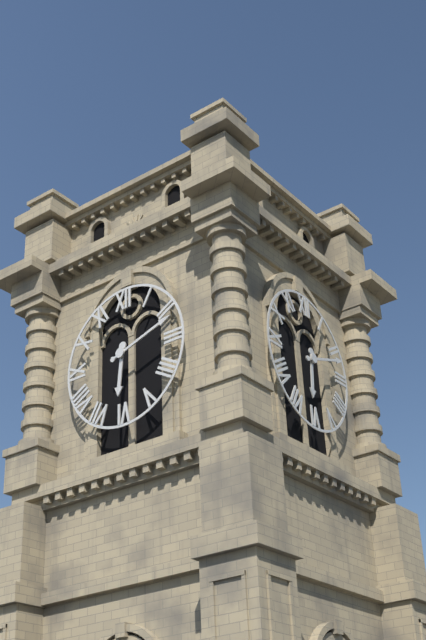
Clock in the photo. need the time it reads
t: 6:12
